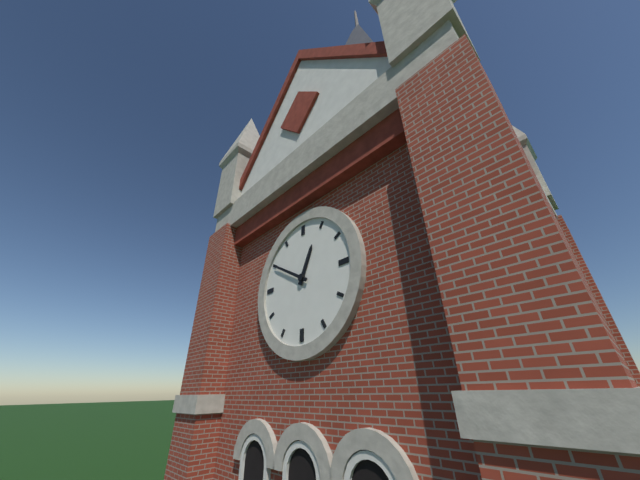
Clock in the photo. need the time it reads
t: 12:50
